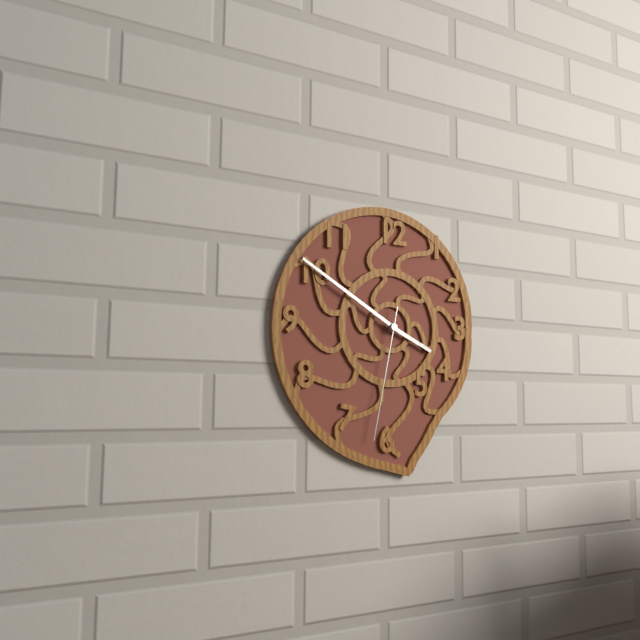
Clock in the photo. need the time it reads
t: 3:50:32
